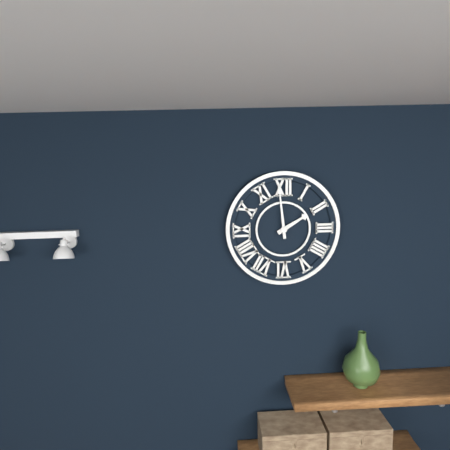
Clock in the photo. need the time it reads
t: 1:59
